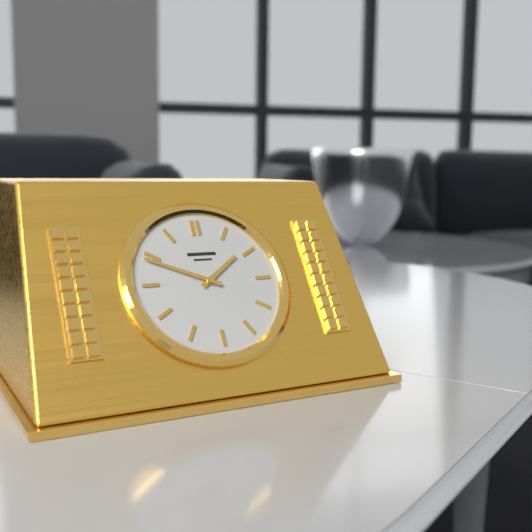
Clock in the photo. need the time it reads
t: 1:49
